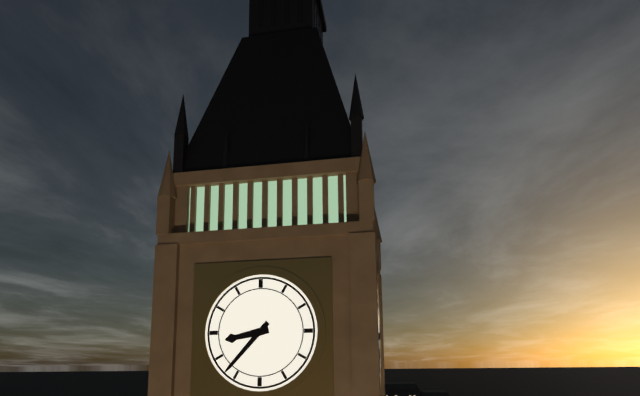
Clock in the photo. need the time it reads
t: 8:37
